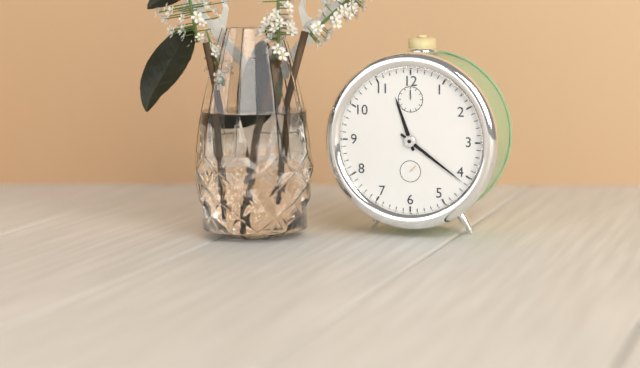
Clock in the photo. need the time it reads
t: 11:21
